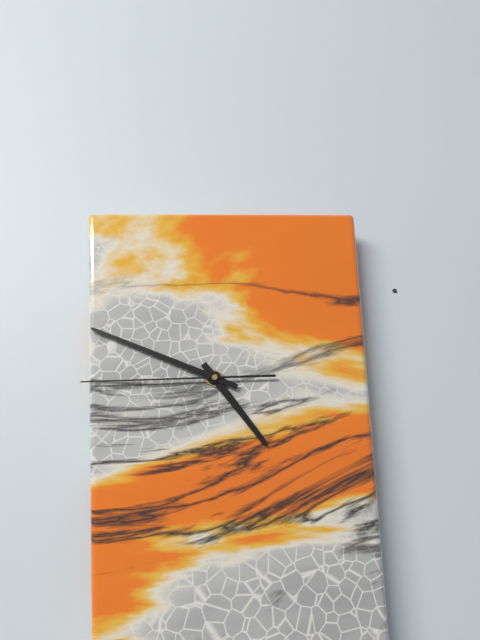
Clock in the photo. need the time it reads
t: 4:49:45
